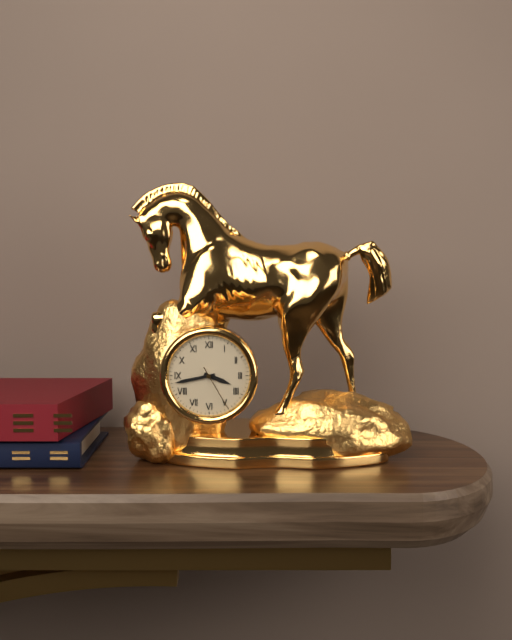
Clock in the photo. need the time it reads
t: 3:43
